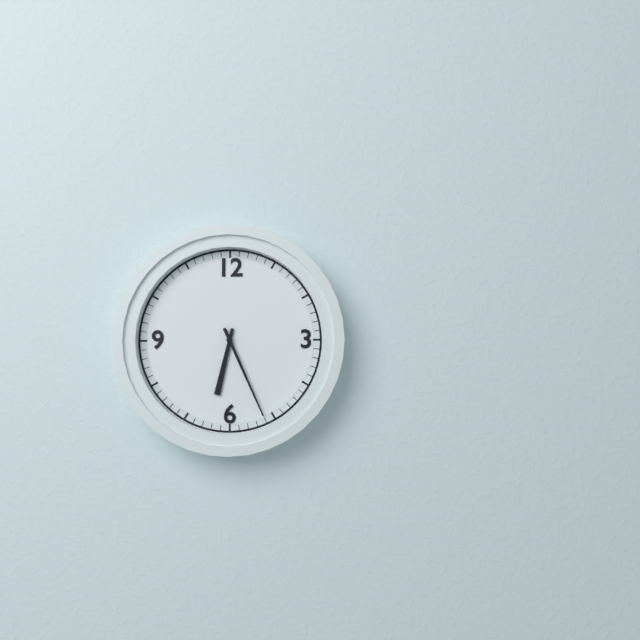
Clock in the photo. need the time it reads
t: 6:26
